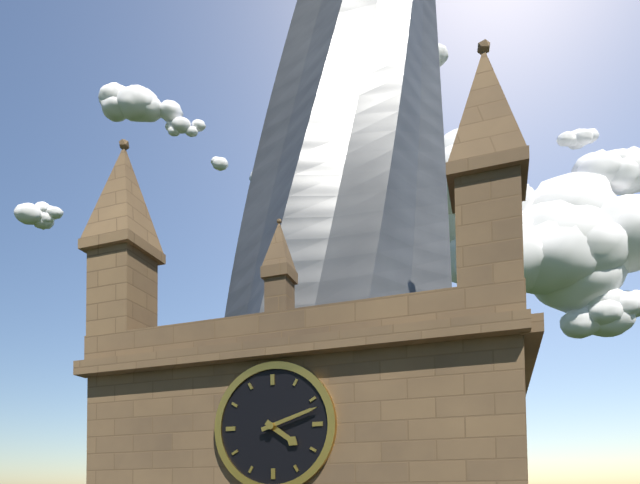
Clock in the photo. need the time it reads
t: 4:12
